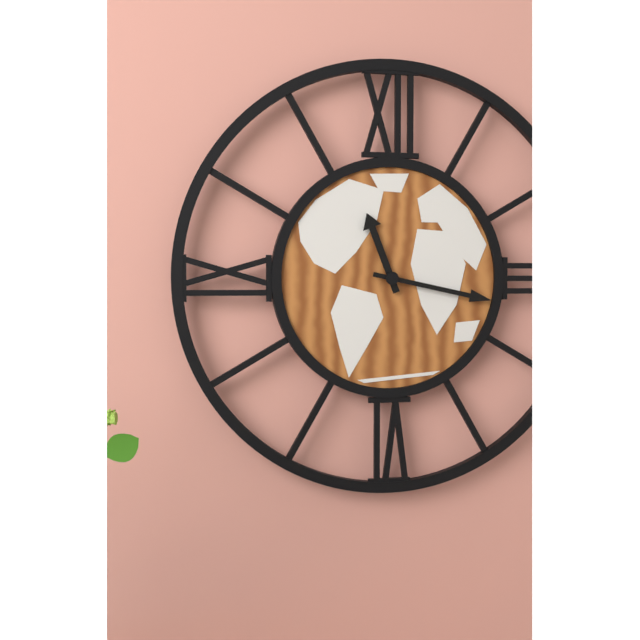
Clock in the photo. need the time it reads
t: 11:17
